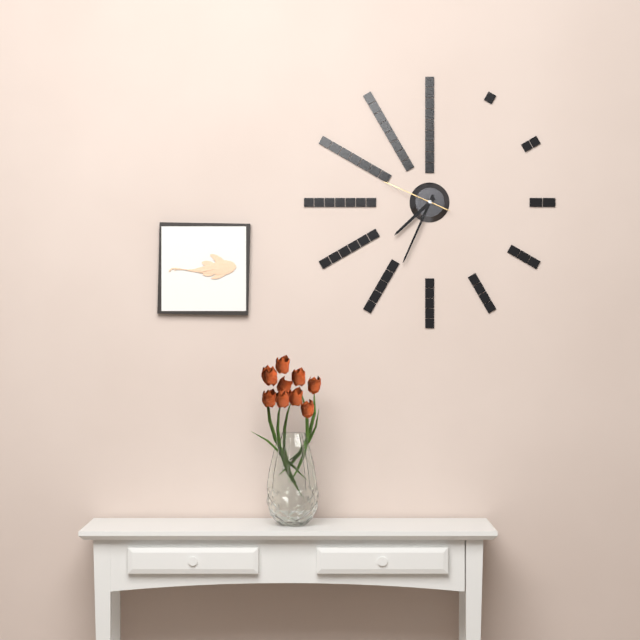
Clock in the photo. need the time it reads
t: 7:34:49
